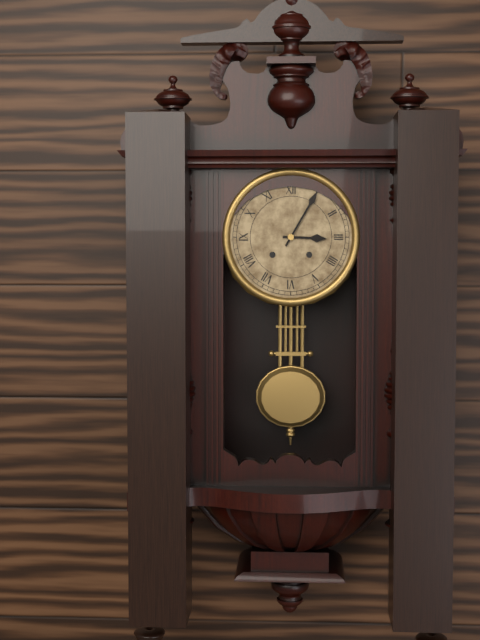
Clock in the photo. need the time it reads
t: 3:05
